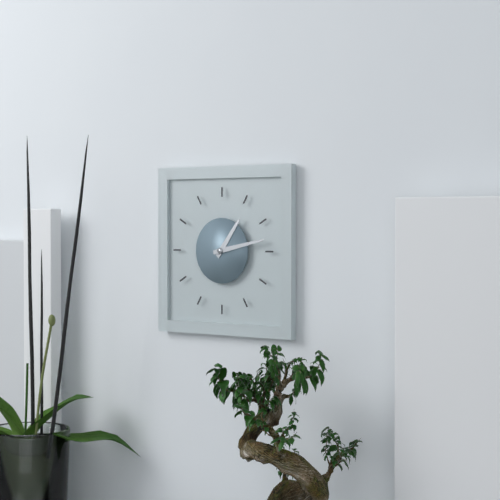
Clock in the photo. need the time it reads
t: 1:13
